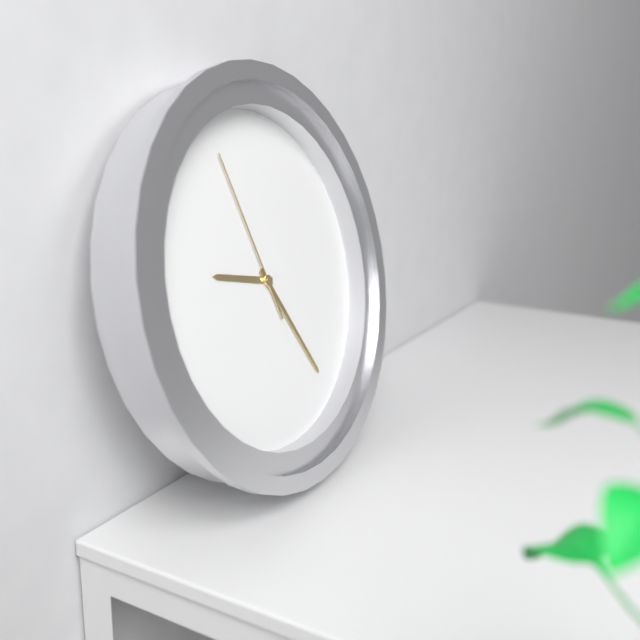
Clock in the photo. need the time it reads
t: 9:25:57
